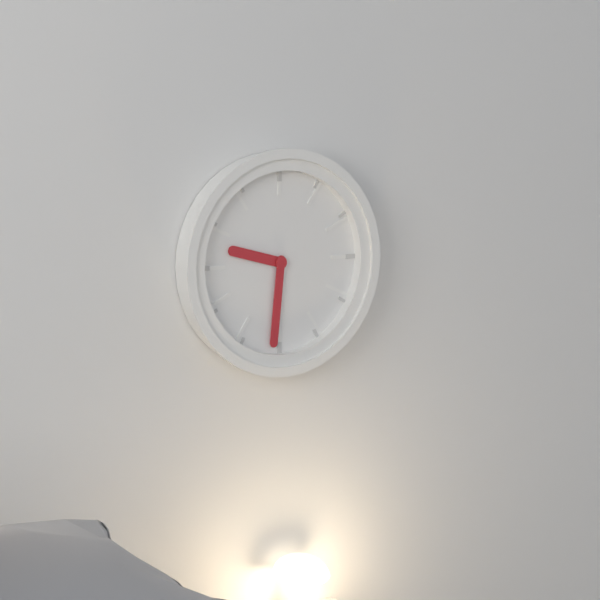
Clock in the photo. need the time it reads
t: 9:31
